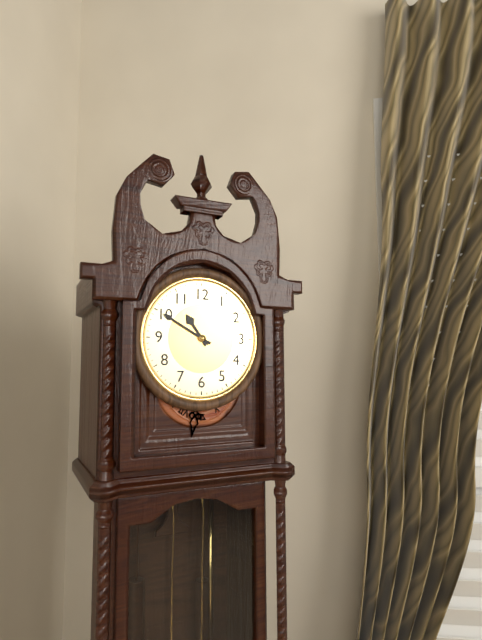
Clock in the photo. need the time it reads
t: 10:50
